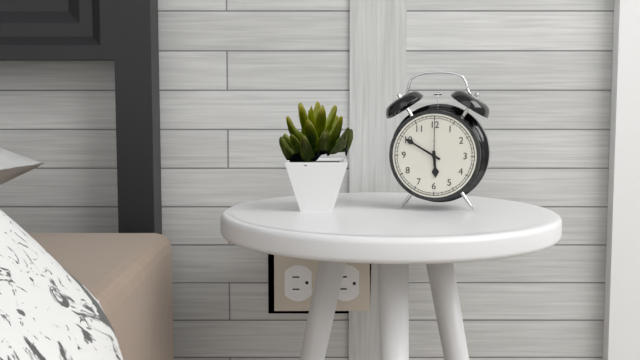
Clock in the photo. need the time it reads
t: 5:50
